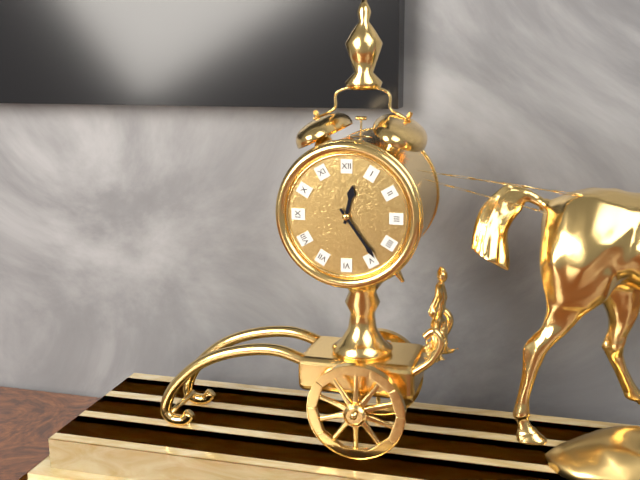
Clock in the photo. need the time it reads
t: 12:24
